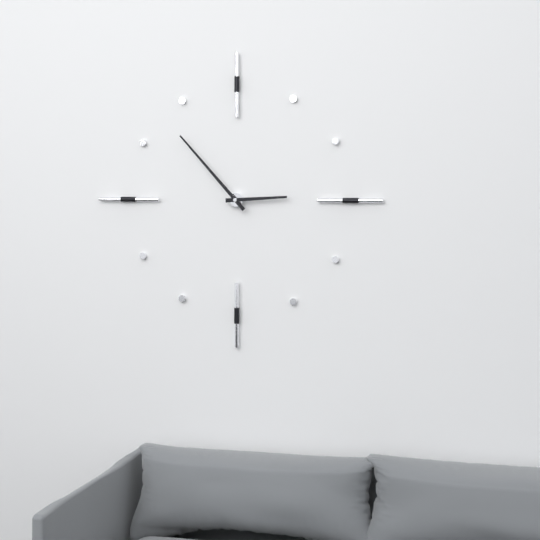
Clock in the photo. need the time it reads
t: 2:53
